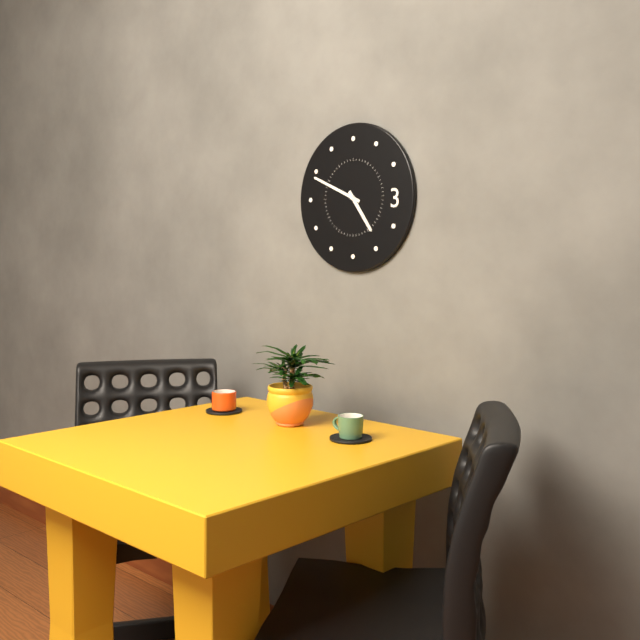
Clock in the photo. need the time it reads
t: 4:49
